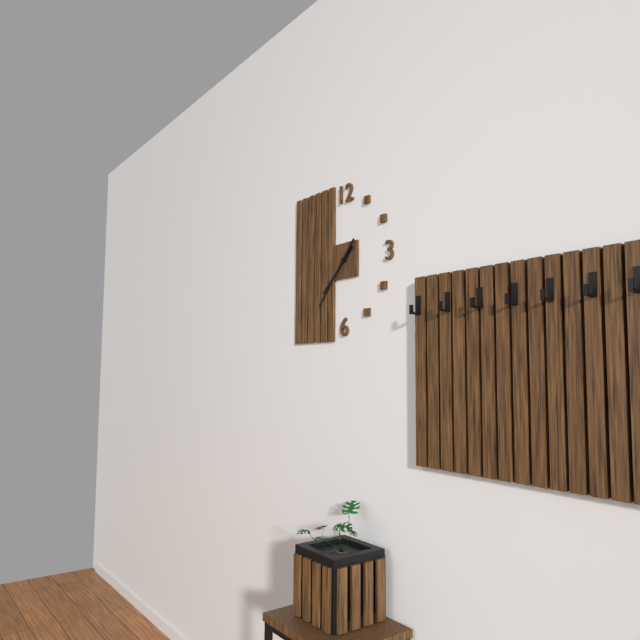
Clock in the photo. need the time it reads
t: 7:37
